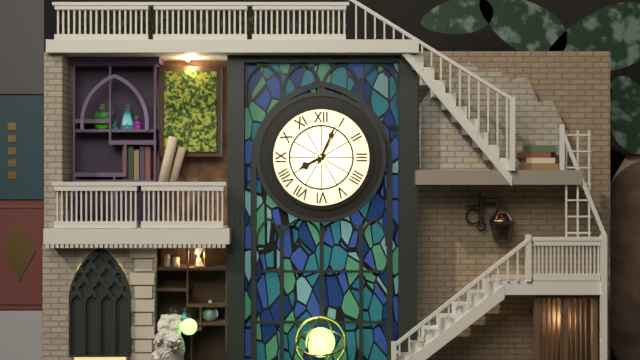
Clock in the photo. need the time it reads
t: 8:04
